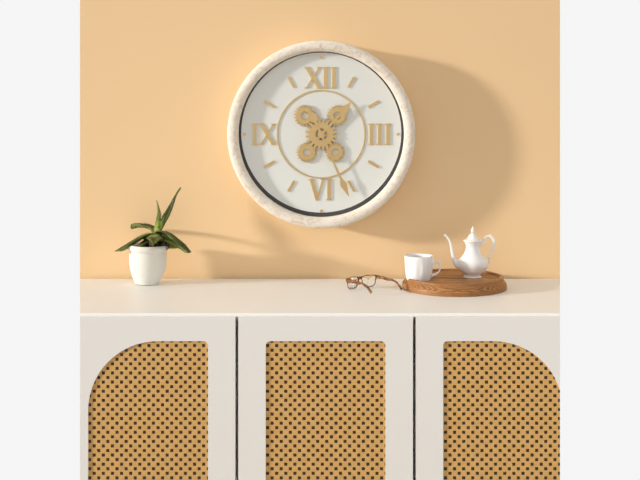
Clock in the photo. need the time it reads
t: 1:26
